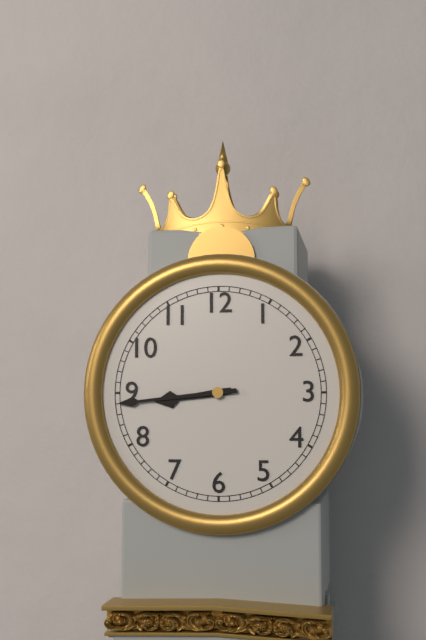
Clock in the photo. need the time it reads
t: 8:44
